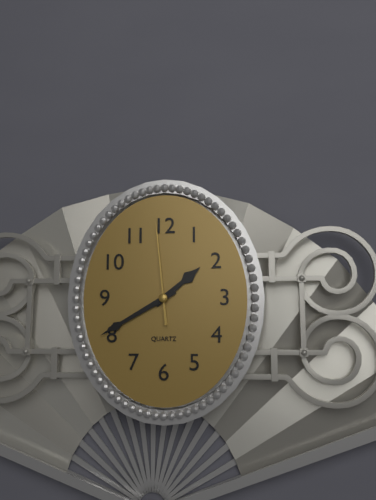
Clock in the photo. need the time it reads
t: 1:40:59
